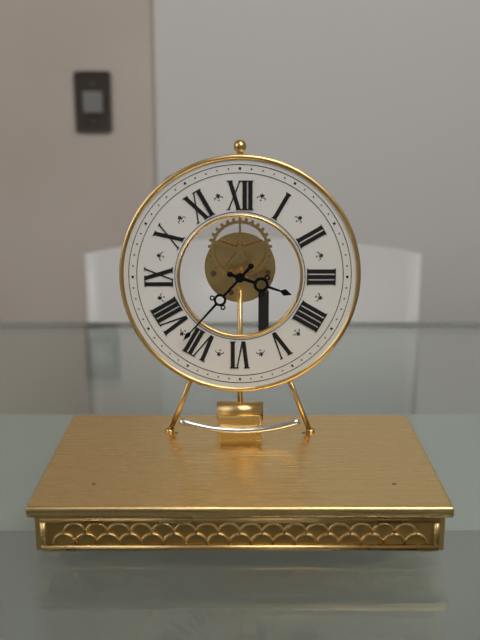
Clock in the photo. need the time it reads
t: 3:37
